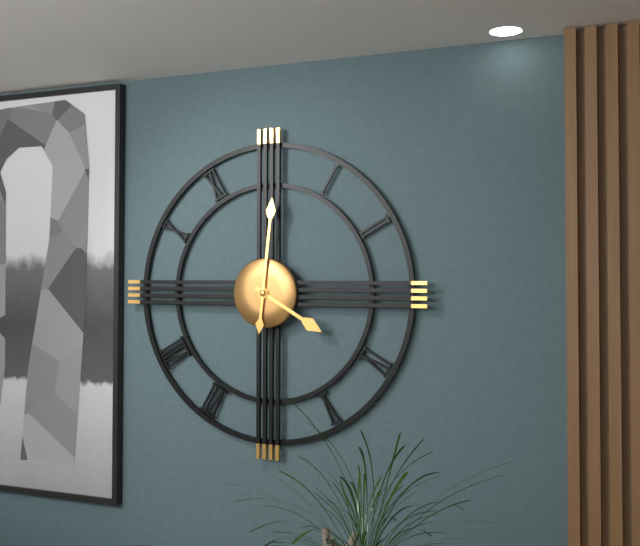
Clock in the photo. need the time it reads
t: 4:01
